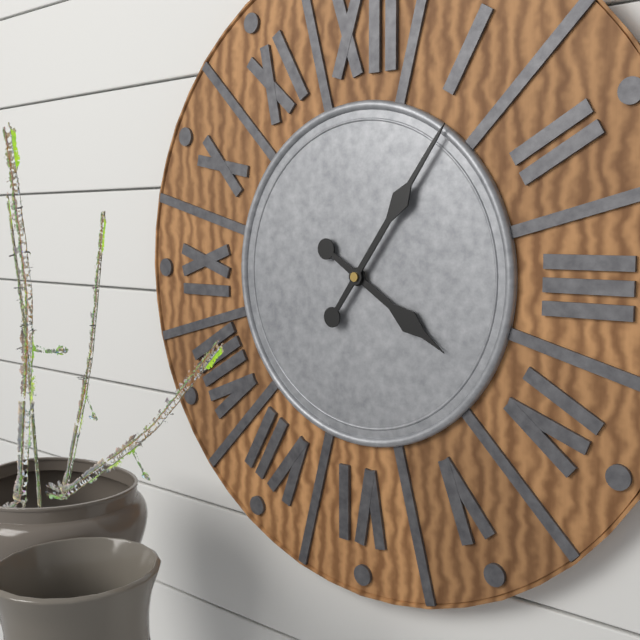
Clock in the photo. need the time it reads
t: 4:06
